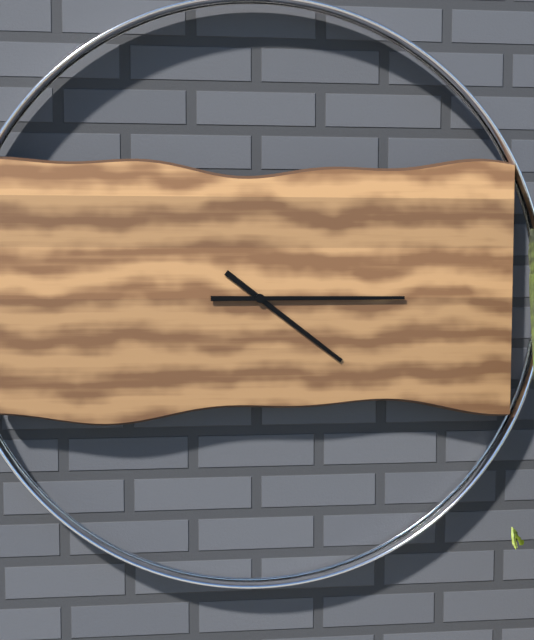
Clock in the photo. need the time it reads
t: 4:15
